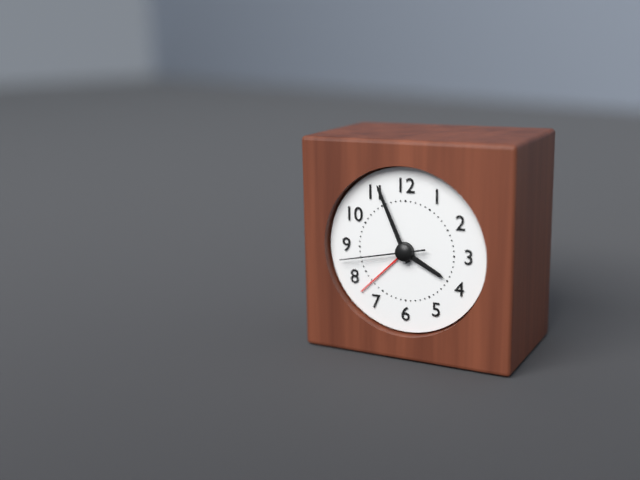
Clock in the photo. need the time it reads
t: 3:56:43
